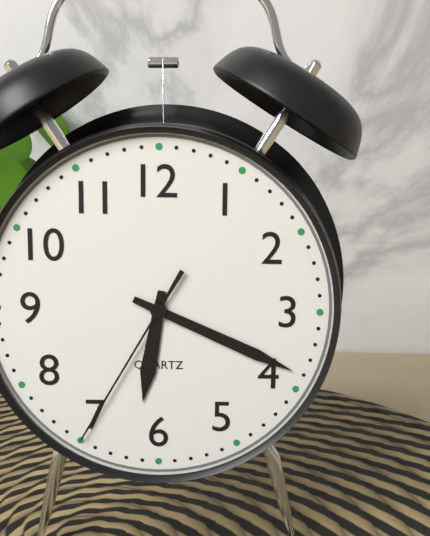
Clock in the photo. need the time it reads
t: 6:19:35
